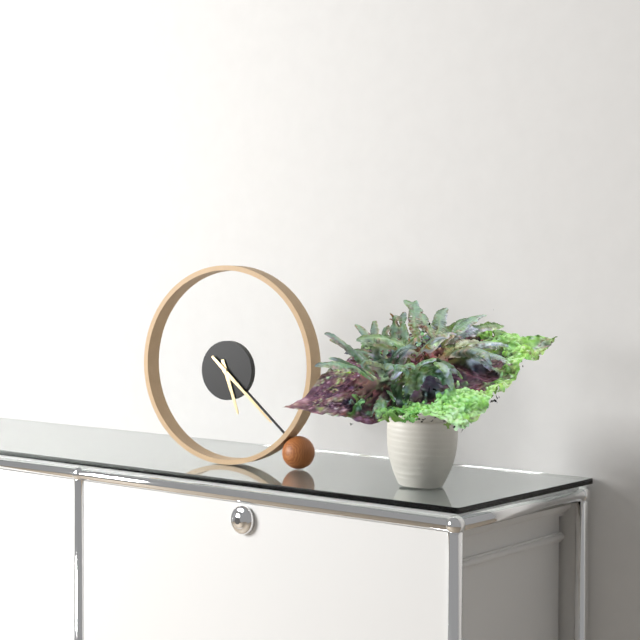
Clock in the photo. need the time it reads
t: 5:22
